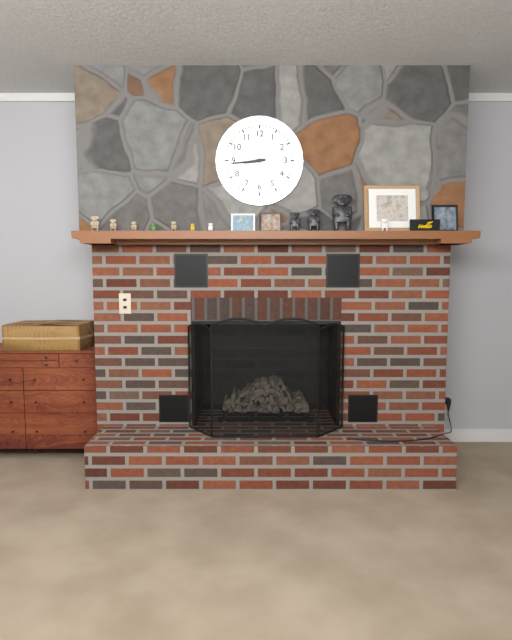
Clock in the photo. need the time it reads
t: 8:44
